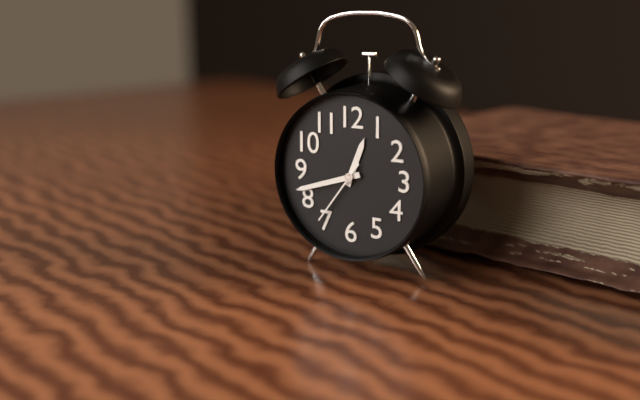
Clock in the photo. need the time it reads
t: 12:42:36
